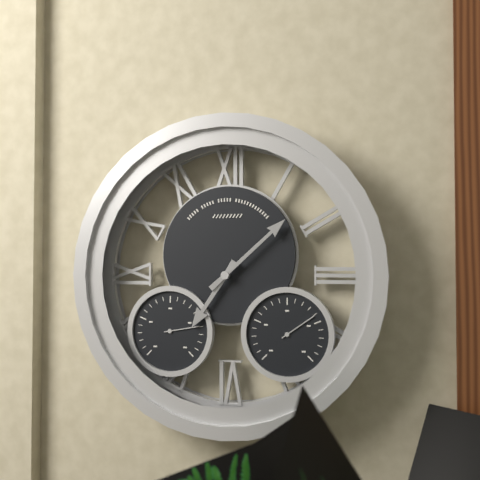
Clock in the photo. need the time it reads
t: 7:08
